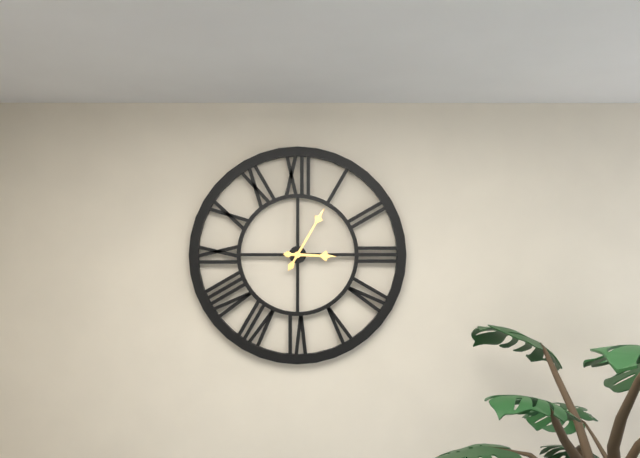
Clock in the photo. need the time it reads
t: 3:05
